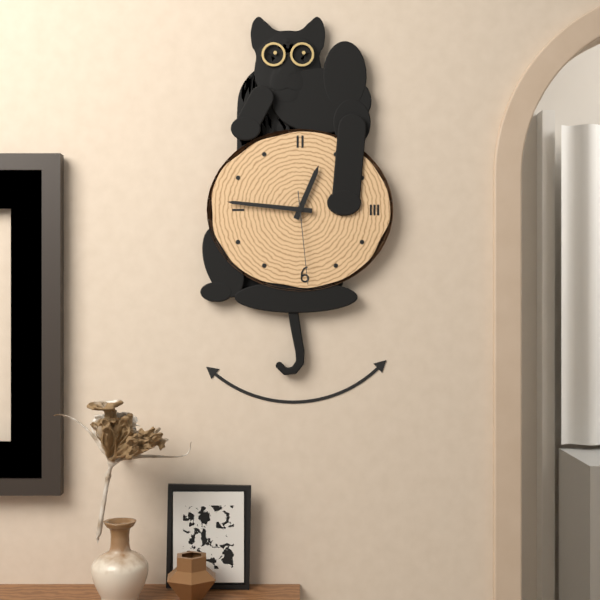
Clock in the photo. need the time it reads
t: 12:46:29
